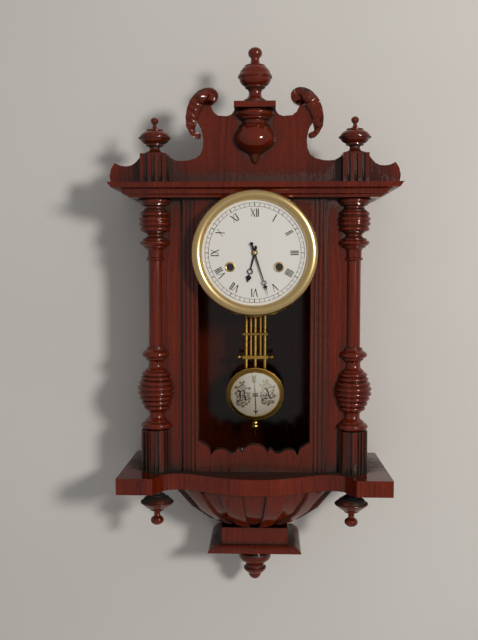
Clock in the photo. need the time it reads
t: 6:27
